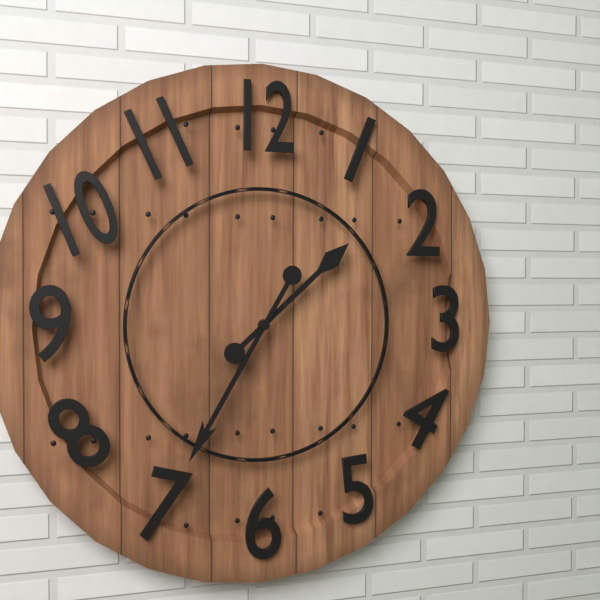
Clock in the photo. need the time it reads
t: 1:35
